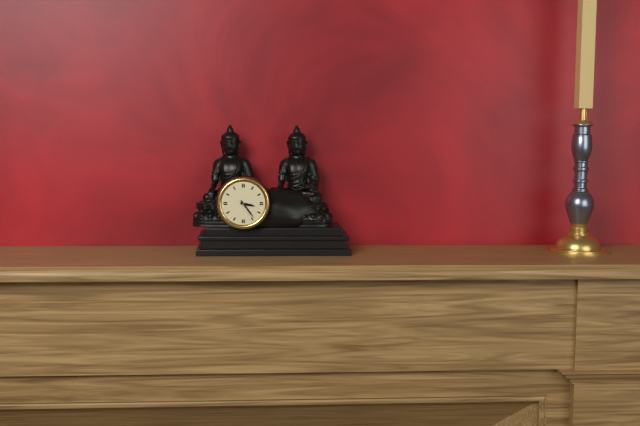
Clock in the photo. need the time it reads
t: 3:24
